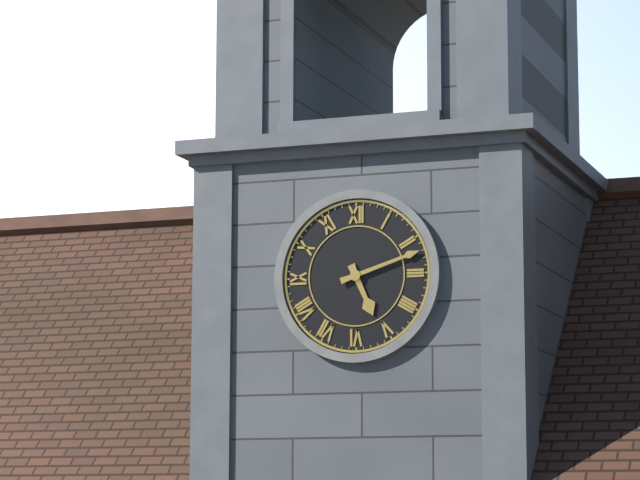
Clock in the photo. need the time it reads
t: 5:12
